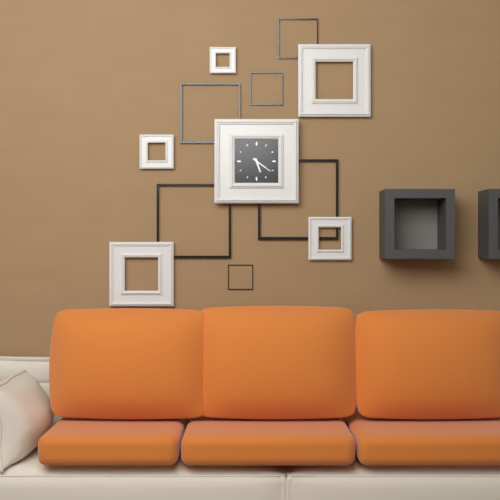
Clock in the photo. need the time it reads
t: 5:21
